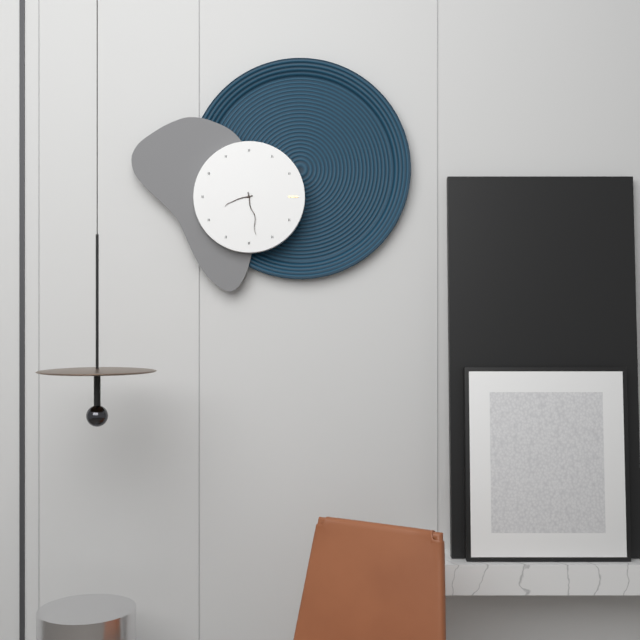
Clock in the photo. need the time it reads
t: 8:28
